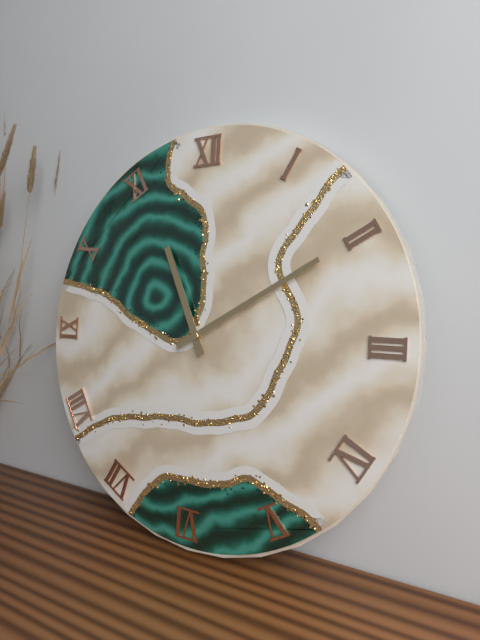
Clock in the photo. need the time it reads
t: 11:10
